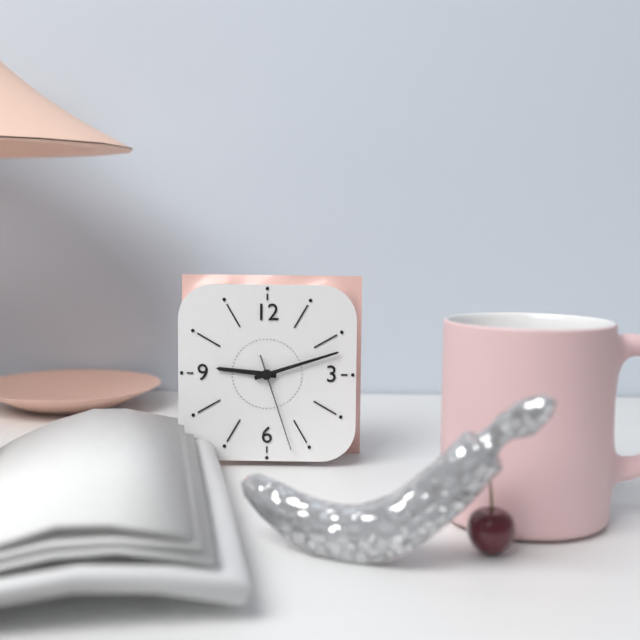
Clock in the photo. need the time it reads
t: 9:12:27
